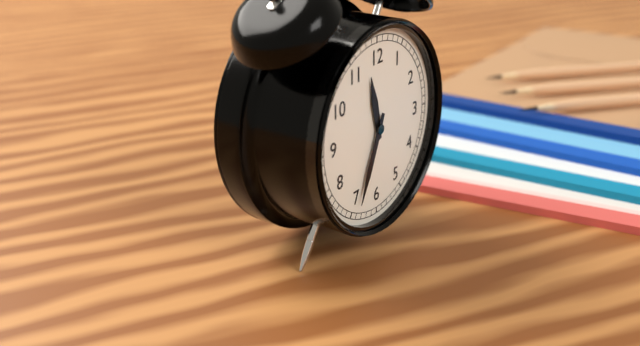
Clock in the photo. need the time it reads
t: 11:34
